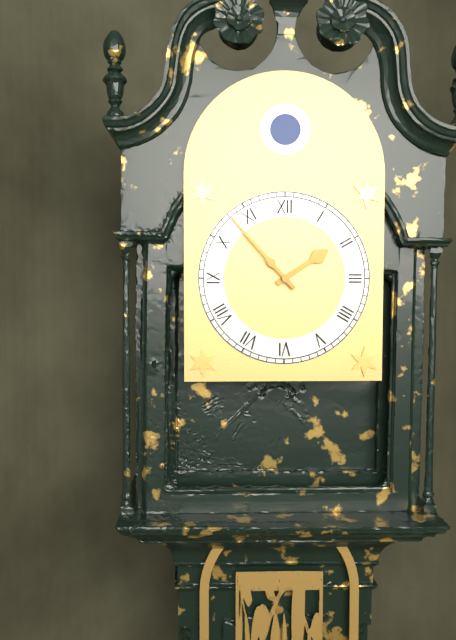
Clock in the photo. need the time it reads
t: 1:53
